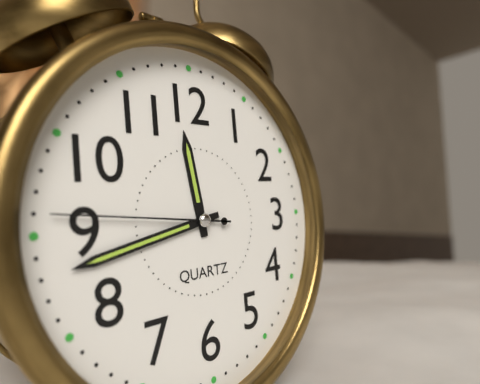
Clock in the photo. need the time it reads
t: 11:43:46
